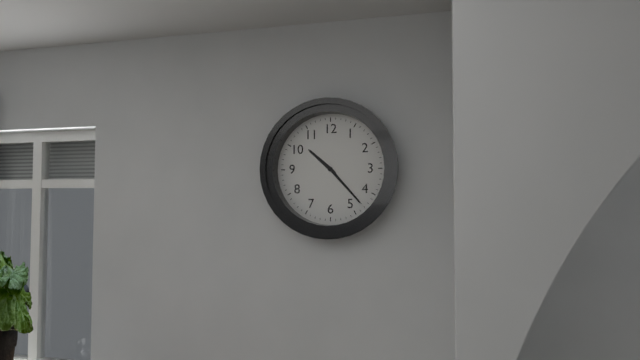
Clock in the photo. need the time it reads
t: 10:23
